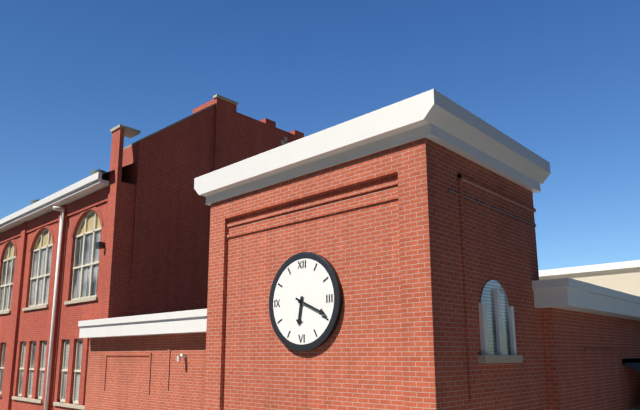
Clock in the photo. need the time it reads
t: 6:19
